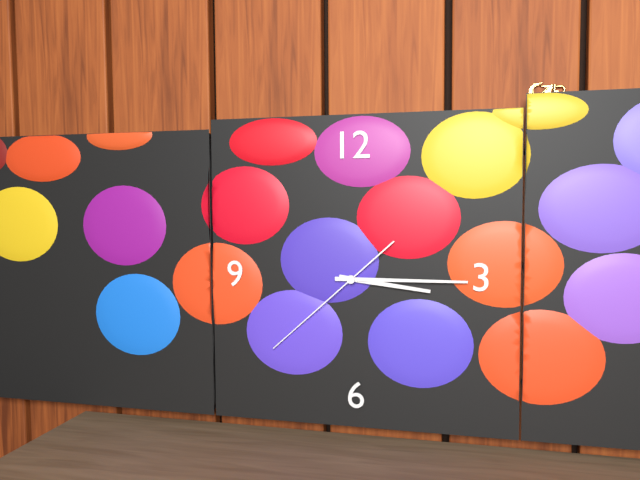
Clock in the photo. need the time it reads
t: 3:15:38
